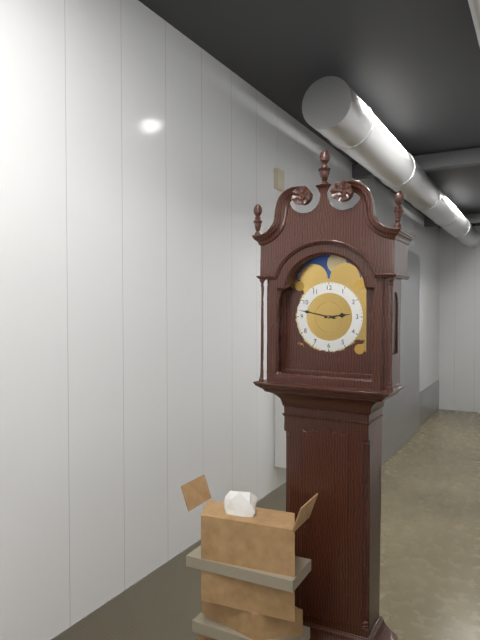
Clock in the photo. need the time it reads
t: 2:47
